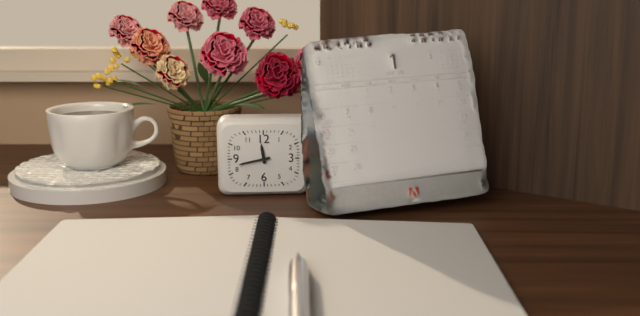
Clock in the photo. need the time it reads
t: 11:43
